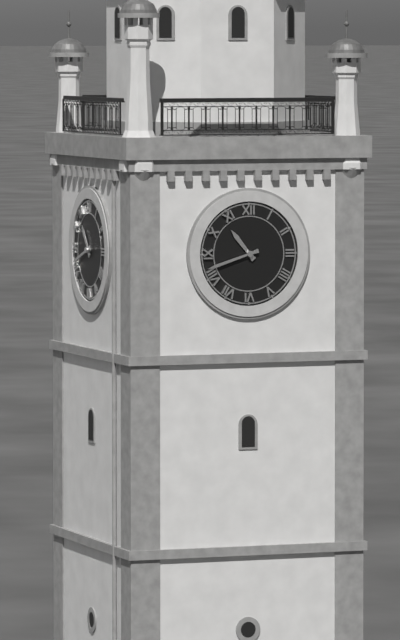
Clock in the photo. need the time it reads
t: 10:42
